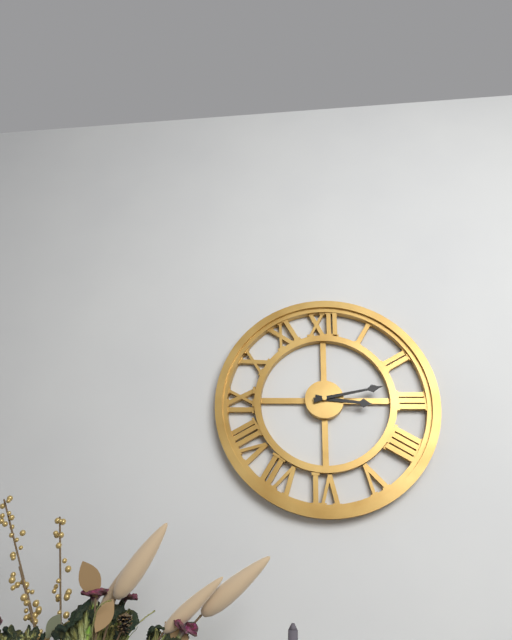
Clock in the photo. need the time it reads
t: 3:13
